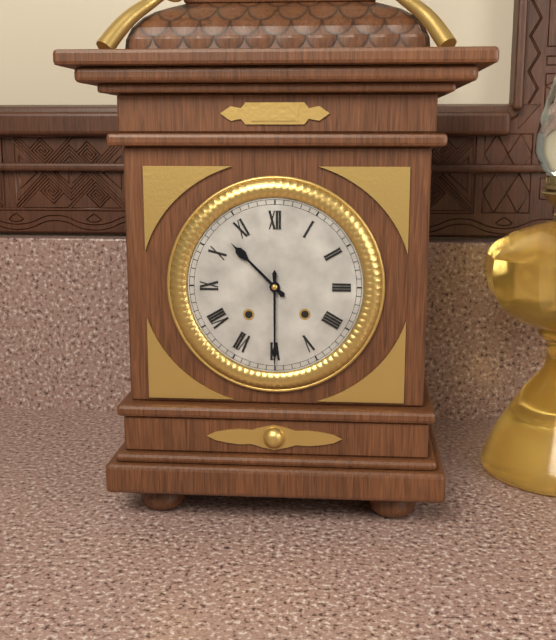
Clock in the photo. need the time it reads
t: 10:30
